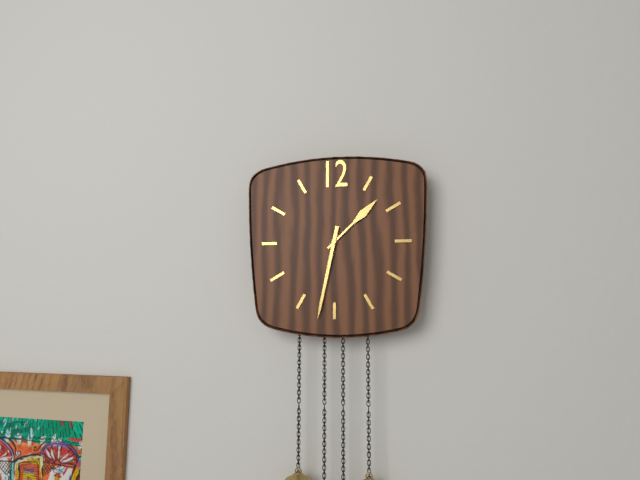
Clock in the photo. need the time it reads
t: 1:32
